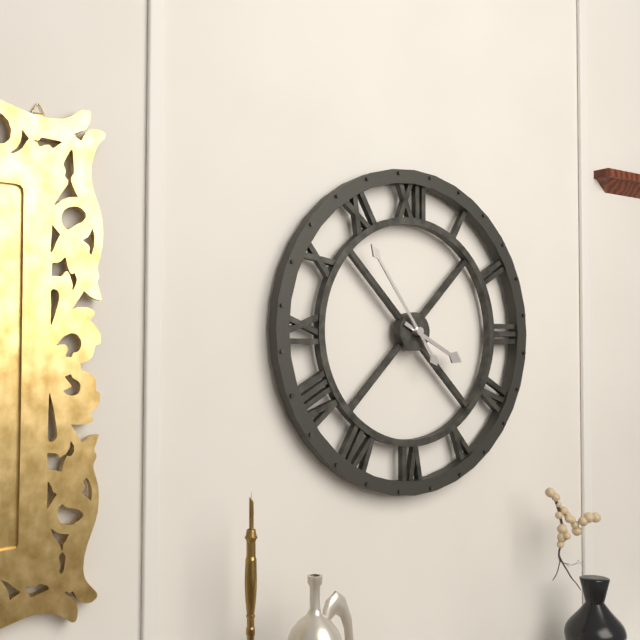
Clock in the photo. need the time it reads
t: 3:54
